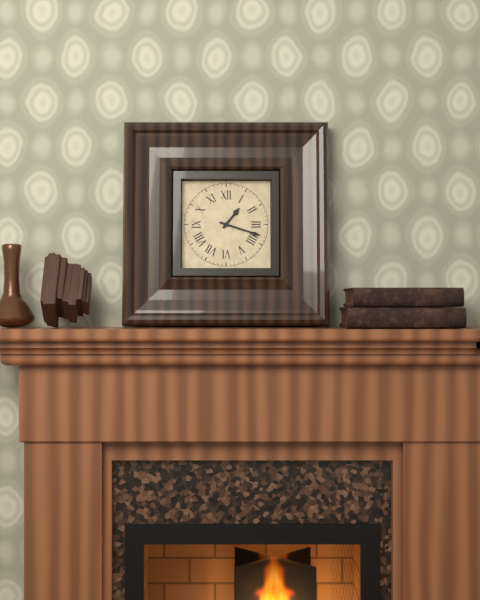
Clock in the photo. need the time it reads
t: 1:18
